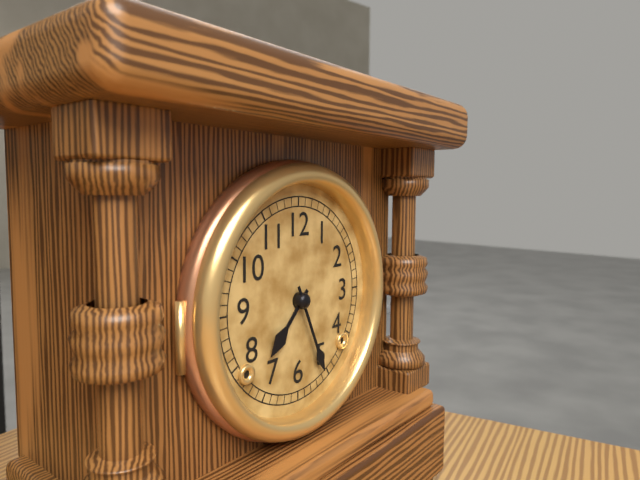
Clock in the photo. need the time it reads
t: 7:26
